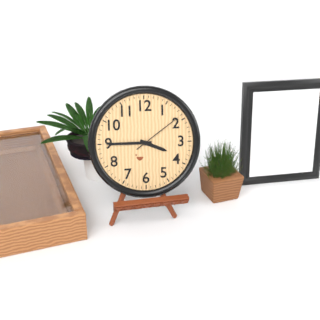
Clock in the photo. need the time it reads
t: 3:45:09
